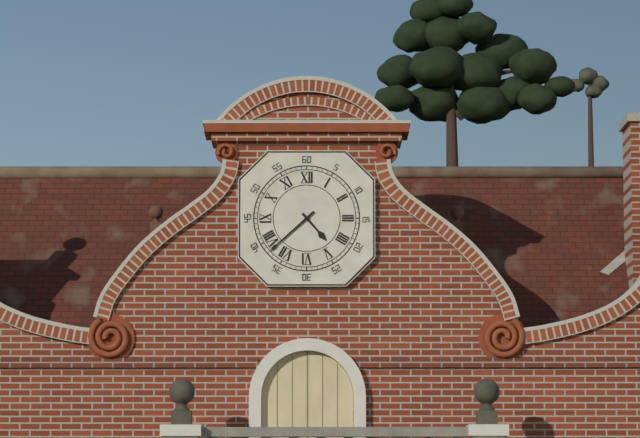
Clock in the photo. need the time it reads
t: 4:38
